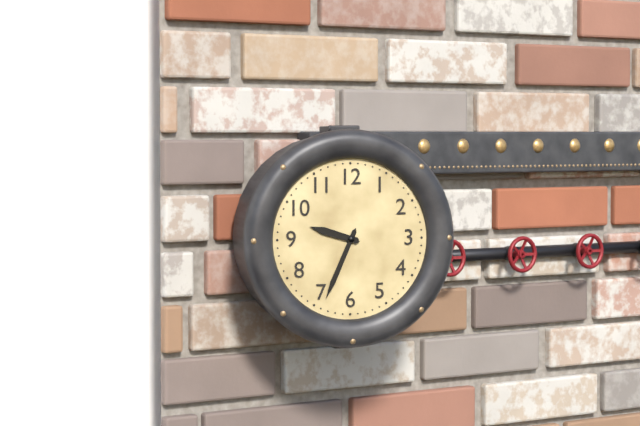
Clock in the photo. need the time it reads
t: 9:34
